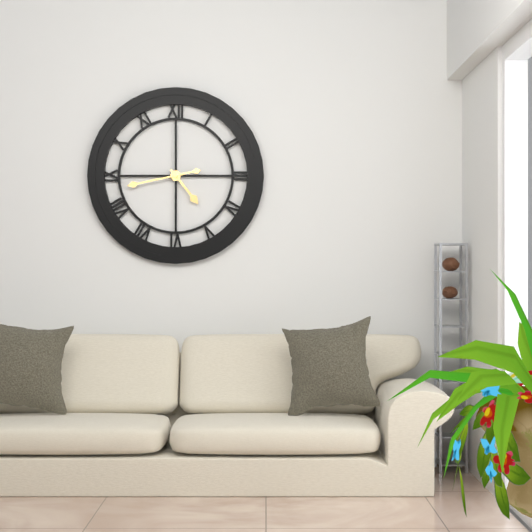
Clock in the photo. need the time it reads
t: 4:43
